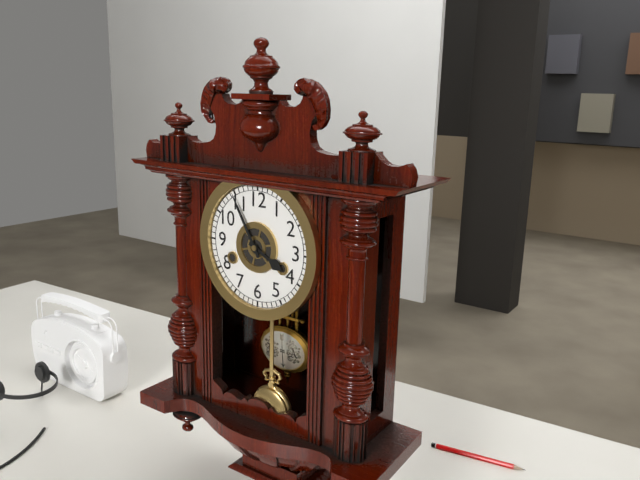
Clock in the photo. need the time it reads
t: 3:55
